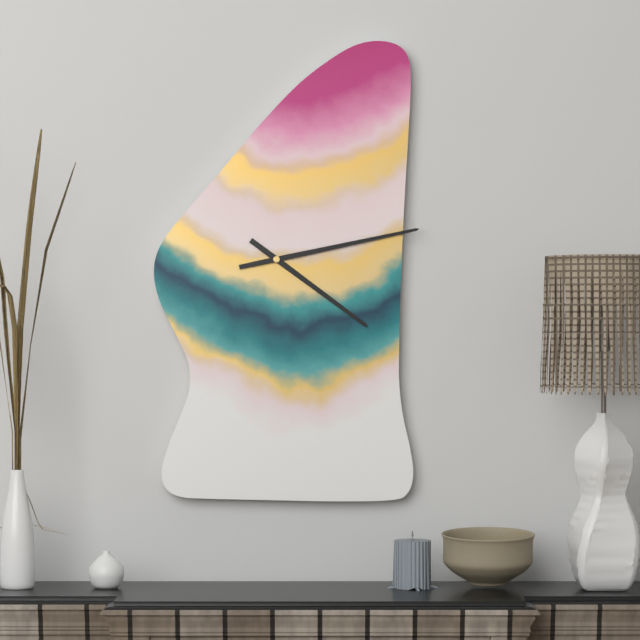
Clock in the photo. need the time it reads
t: 4:13
